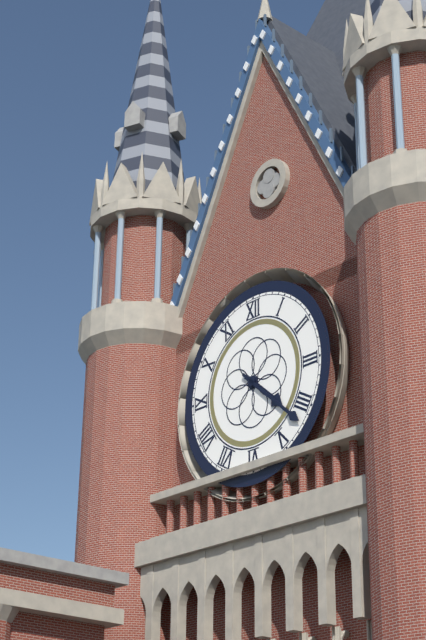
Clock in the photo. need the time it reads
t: 4:22
